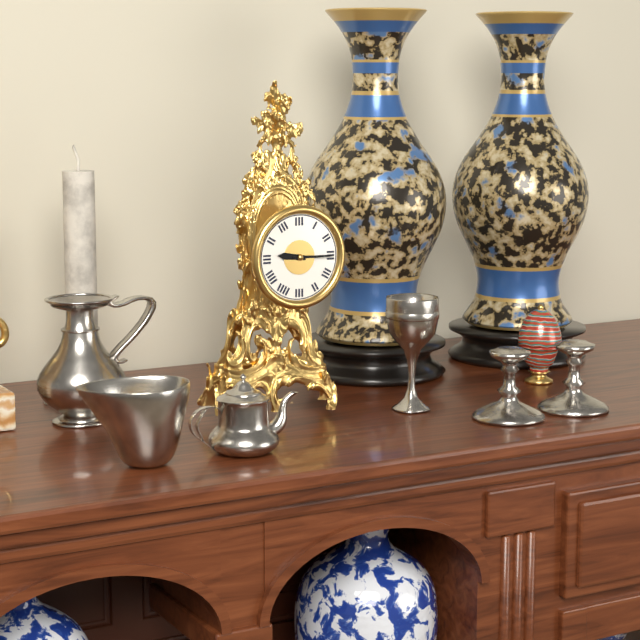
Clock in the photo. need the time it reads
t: 9:15
